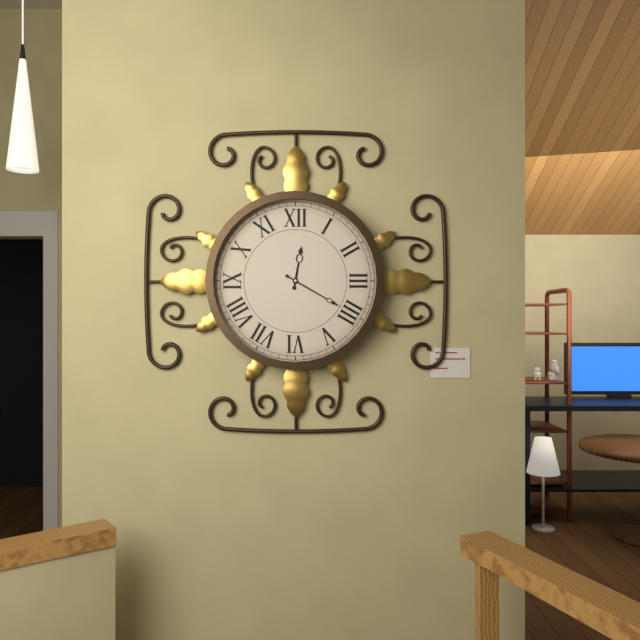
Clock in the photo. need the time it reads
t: 12:20
